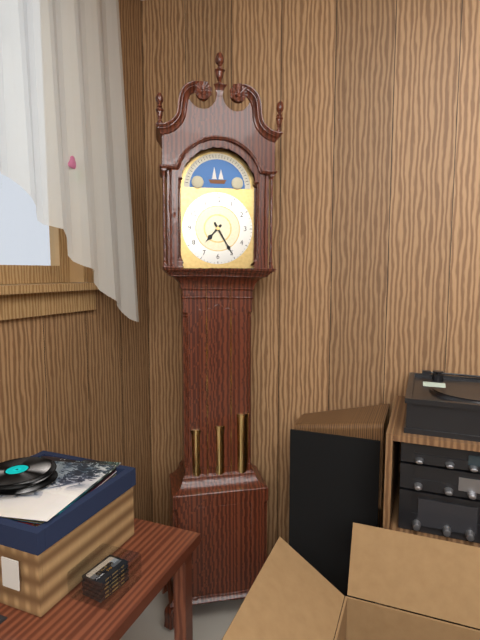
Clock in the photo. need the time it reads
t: 7:25
